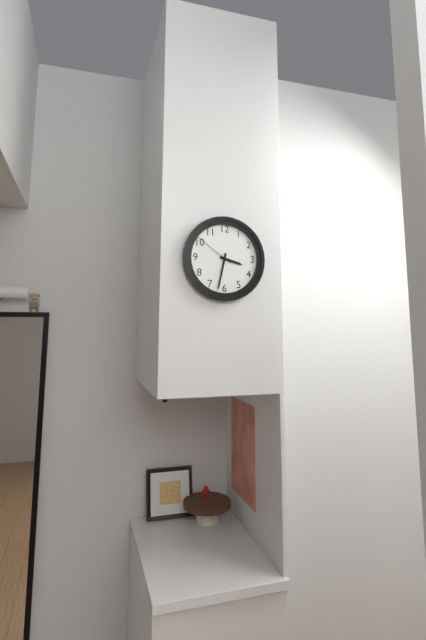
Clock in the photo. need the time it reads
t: 3:32
